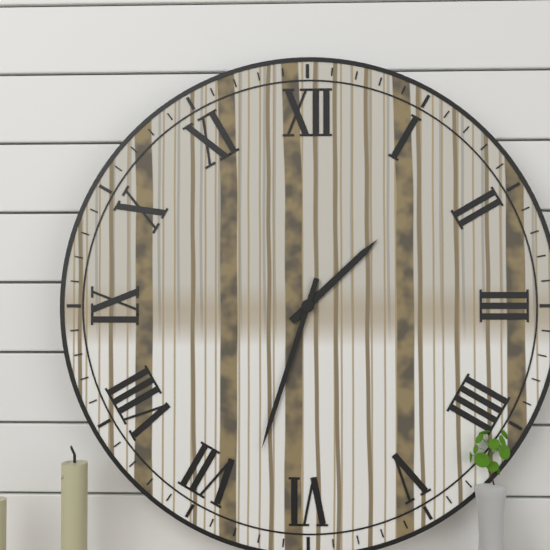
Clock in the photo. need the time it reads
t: 1:33
